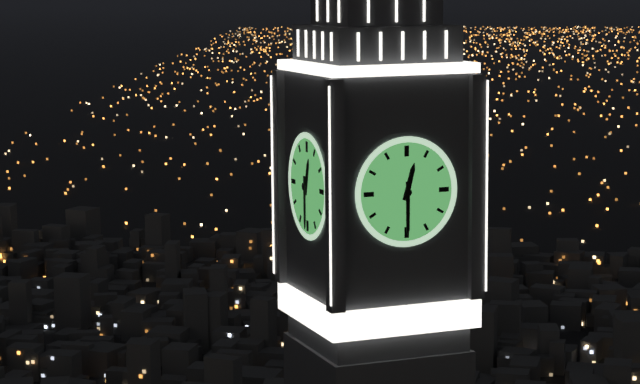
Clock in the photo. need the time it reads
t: 12:30
